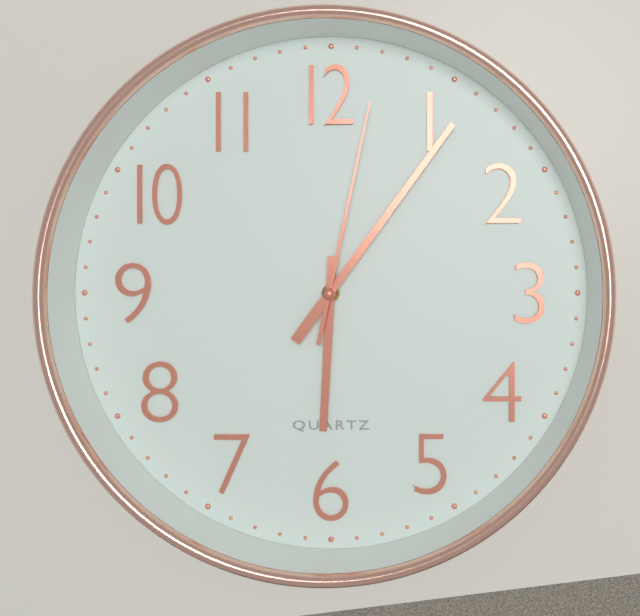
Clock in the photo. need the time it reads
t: 6:06:02
